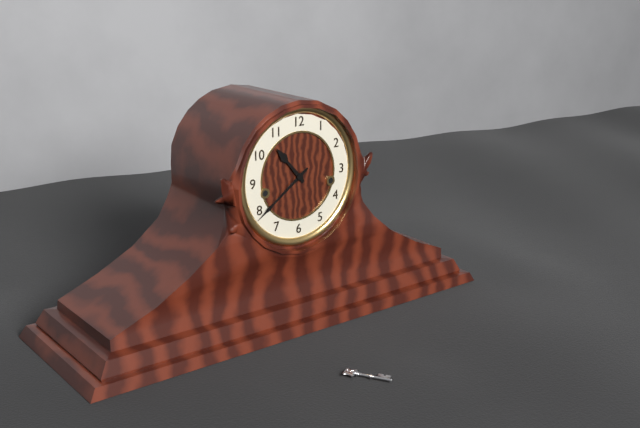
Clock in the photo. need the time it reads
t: 10:39
